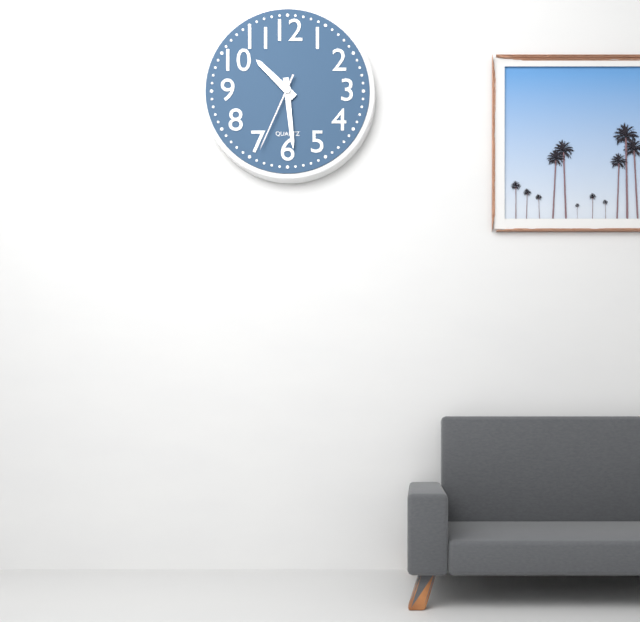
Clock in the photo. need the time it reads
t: 10:29:34
